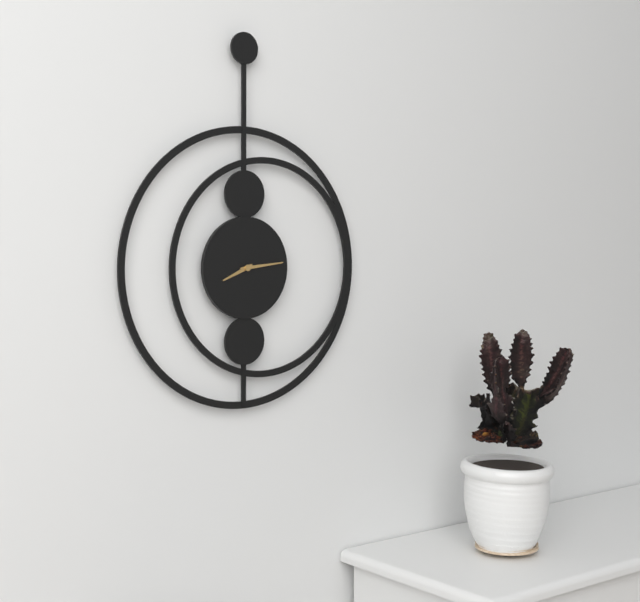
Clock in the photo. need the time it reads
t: 8:14
